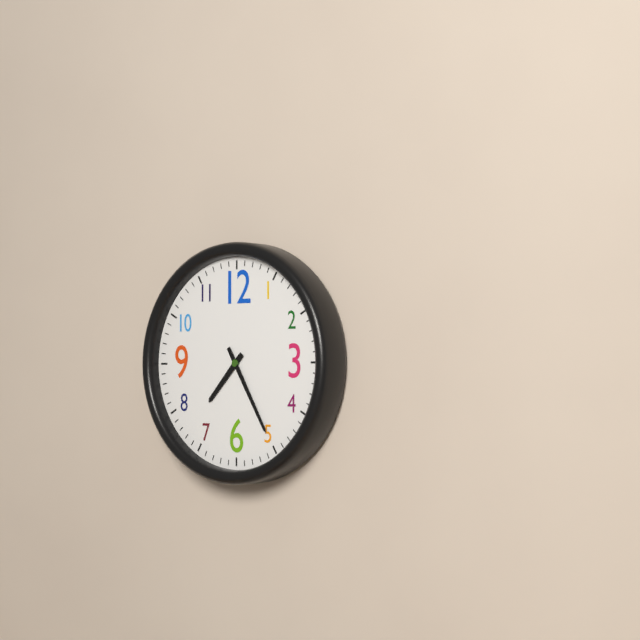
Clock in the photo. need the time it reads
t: 7:25
